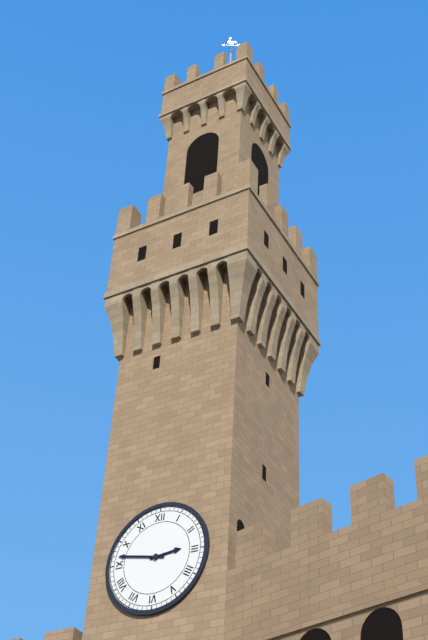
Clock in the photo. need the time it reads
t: 2:47
